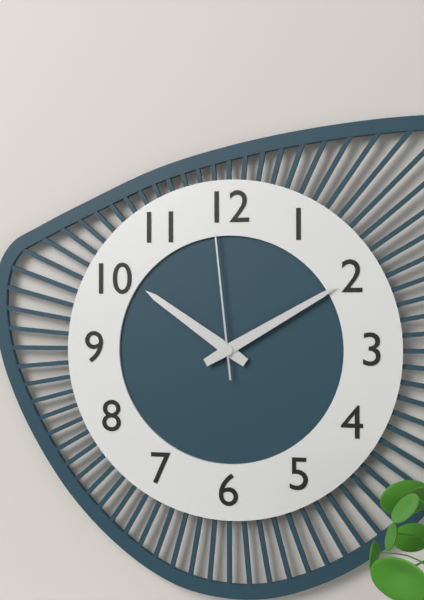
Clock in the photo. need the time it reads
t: 10:10:59
